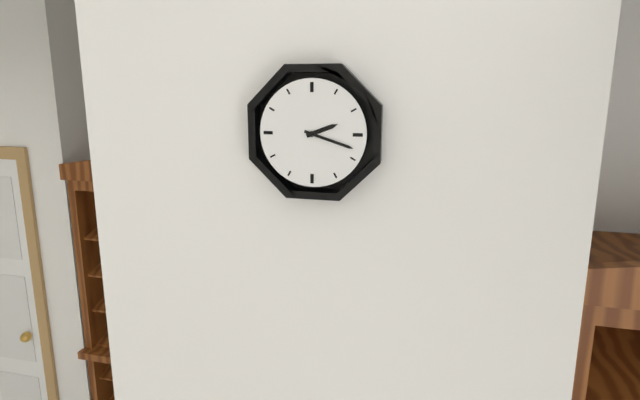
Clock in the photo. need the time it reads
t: 2:18
